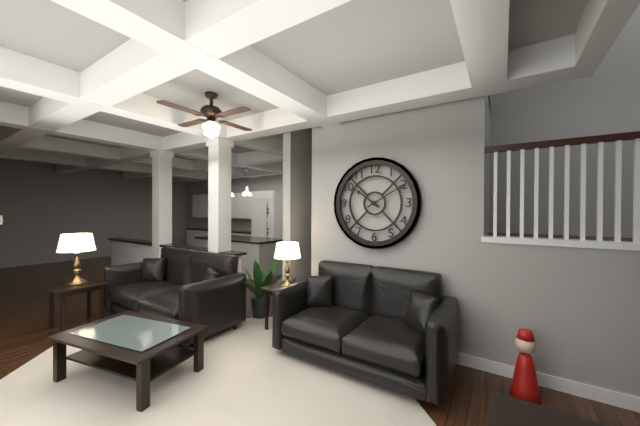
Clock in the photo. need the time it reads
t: 10:10
